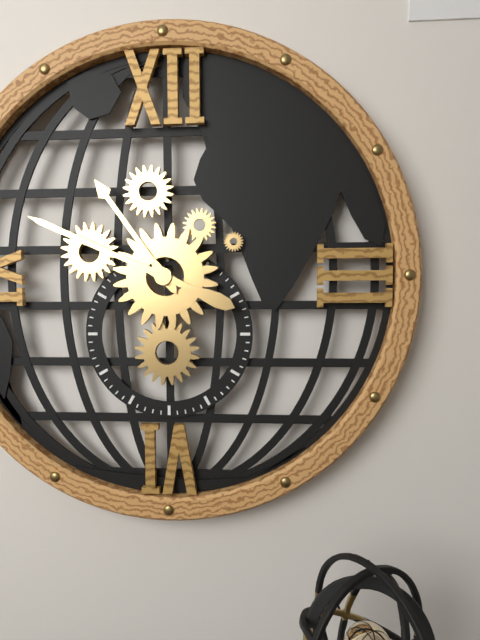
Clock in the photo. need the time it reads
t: 10:49
